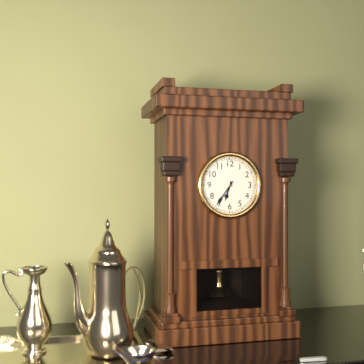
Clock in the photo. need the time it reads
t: 6:36
